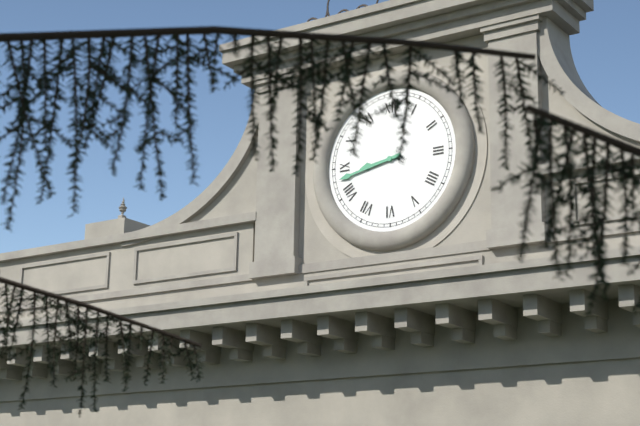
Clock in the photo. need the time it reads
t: 8:43
